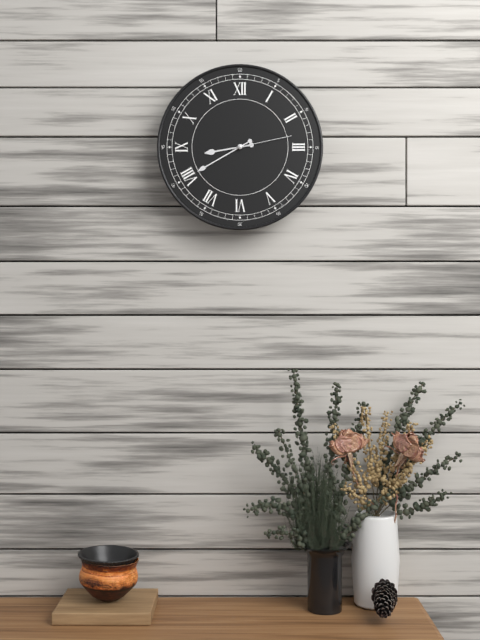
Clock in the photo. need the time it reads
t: 8:40:13
